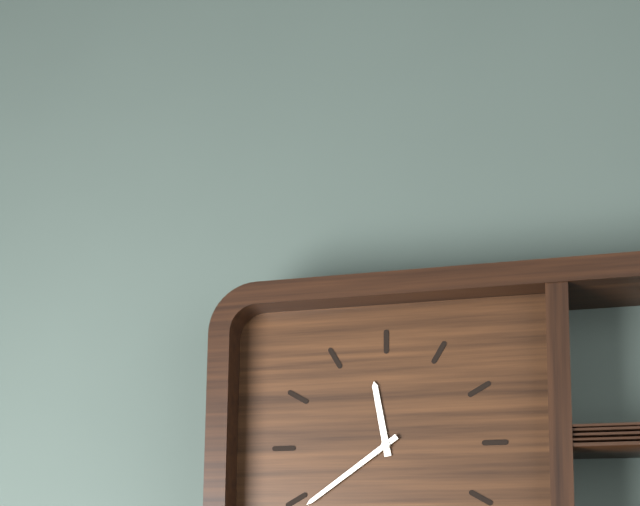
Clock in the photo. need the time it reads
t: 11:39
